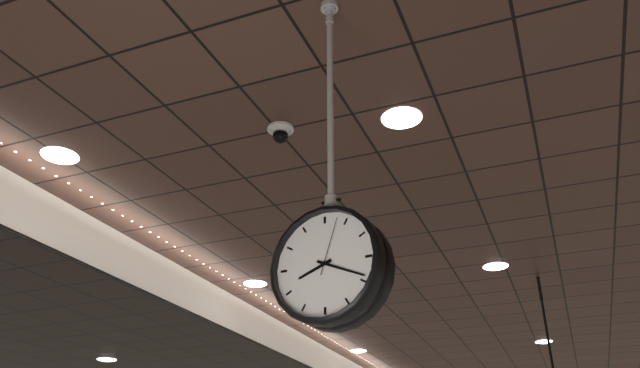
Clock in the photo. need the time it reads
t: 8:19:03
